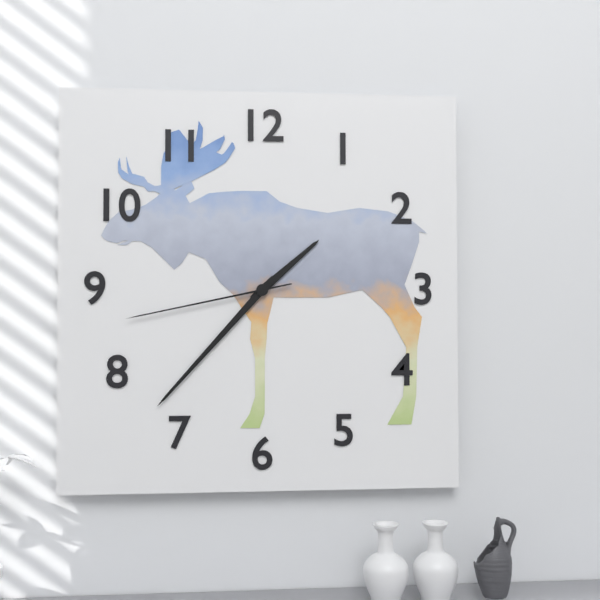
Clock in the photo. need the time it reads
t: 1:37:43
